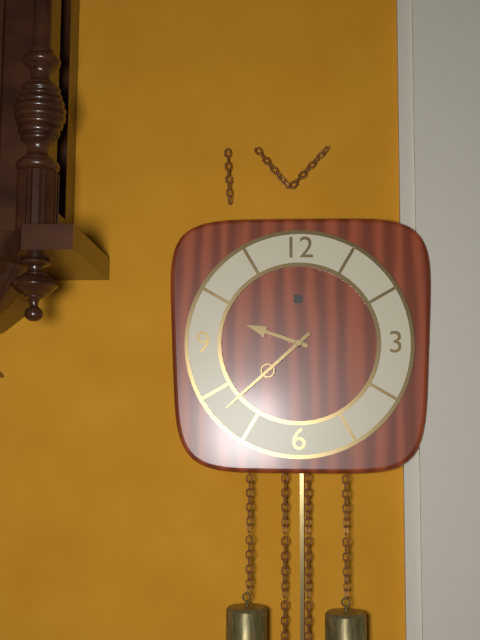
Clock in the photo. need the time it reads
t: 9:38
